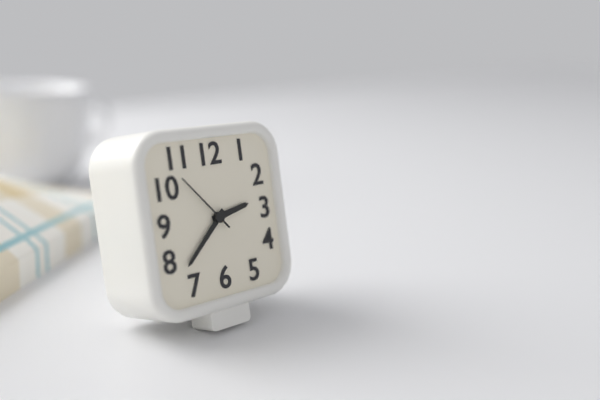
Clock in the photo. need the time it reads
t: 2:38:53
